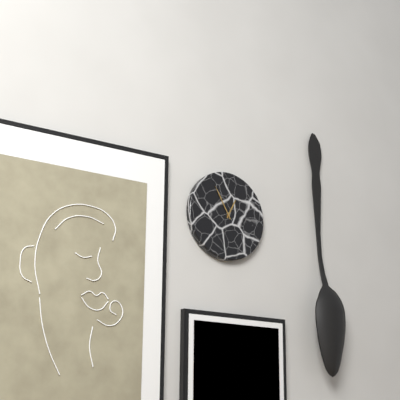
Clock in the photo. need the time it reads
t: 12:55
